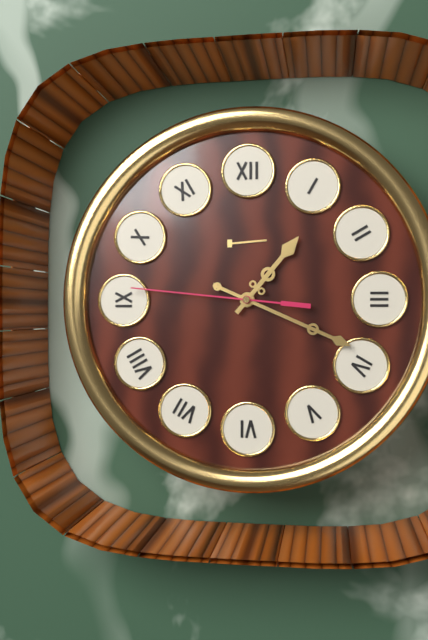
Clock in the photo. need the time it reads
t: 1:19:46
